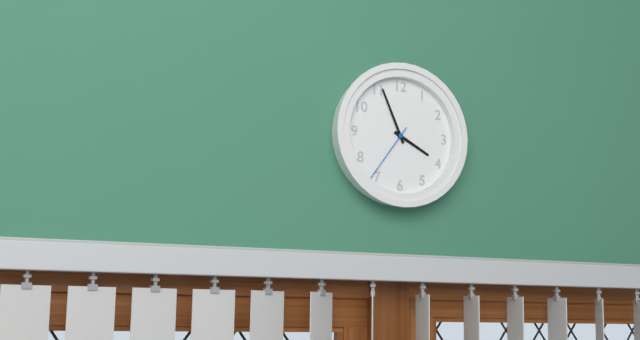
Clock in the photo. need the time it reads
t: 3:56:36
